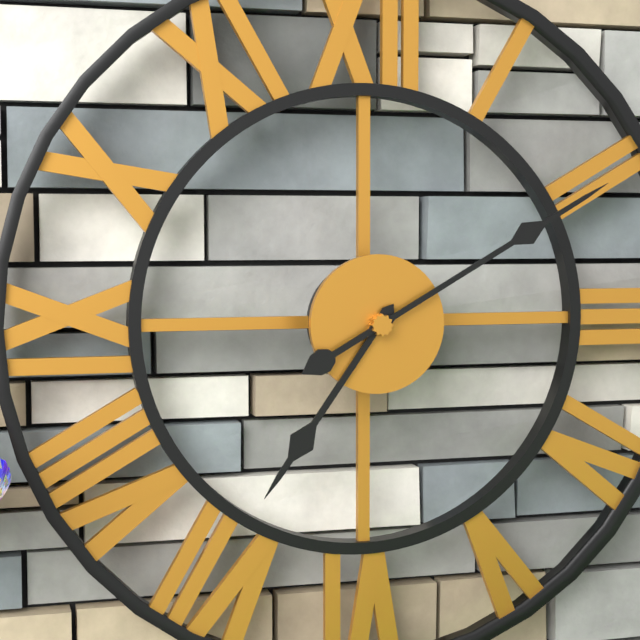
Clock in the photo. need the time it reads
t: 7:10
